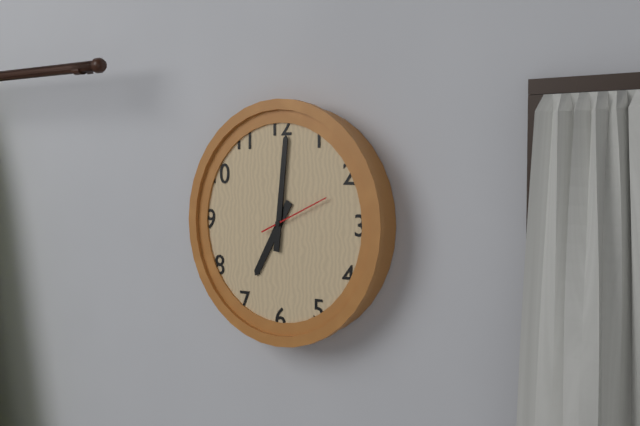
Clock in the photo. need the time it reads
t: 7:01:11
